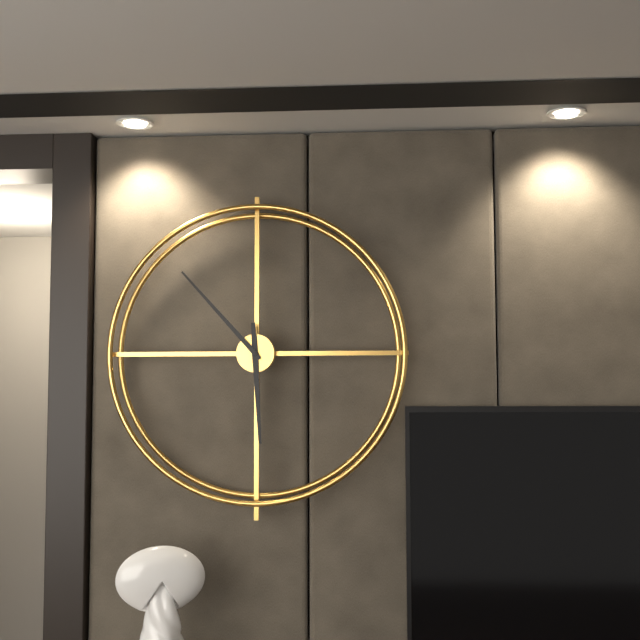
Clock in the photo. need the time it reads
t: 5:53
